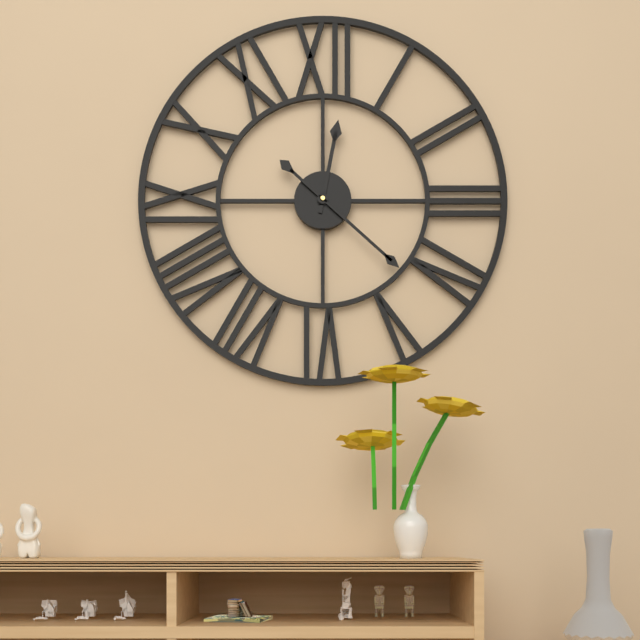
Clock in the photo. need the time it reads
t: 12:22
